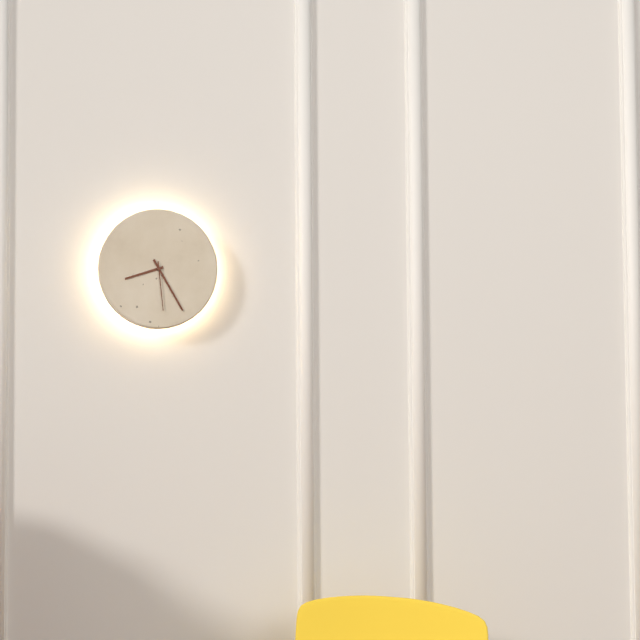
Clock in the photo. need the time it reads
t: 8:25:29
